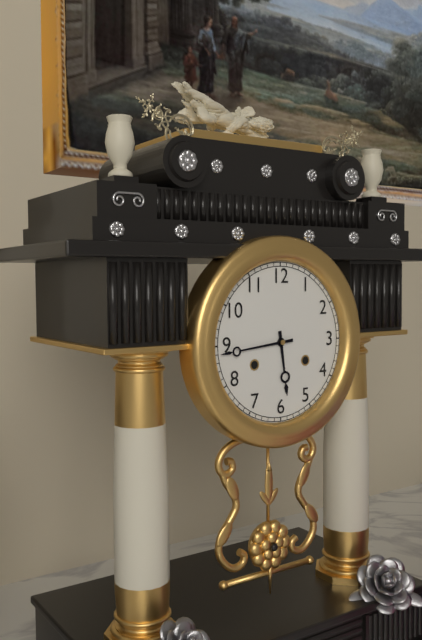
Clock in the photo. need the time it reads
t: 5:44
